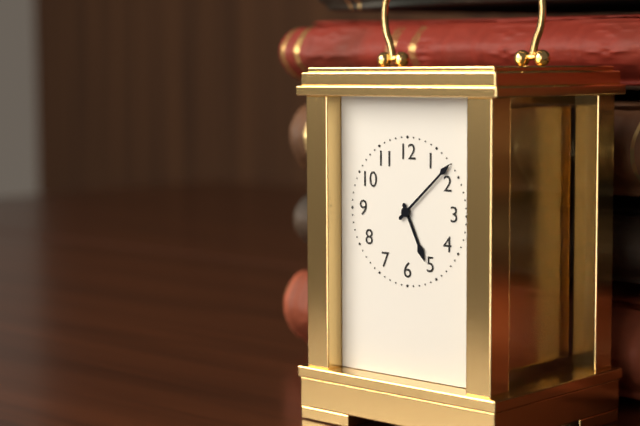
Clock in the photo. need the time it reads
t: 5:08
